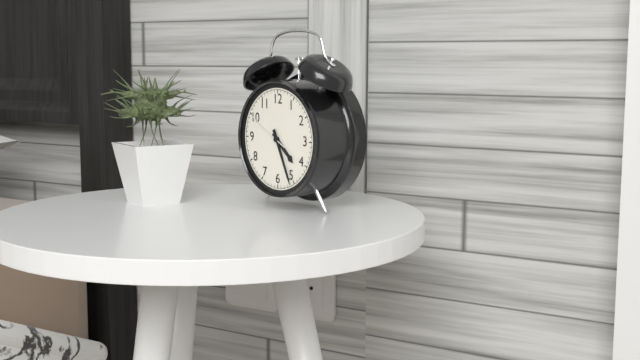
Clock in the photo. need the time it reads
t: 4:26
